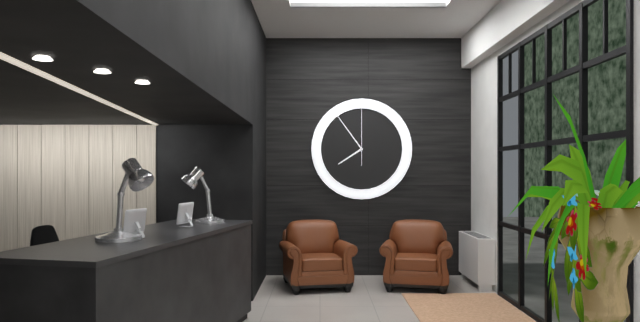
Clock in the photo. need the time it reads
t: 7:54:00
